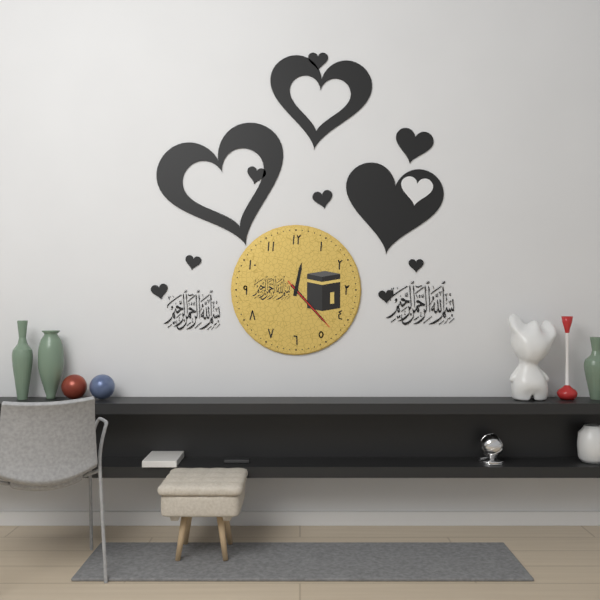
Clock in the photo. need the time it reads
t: 12:23:23
